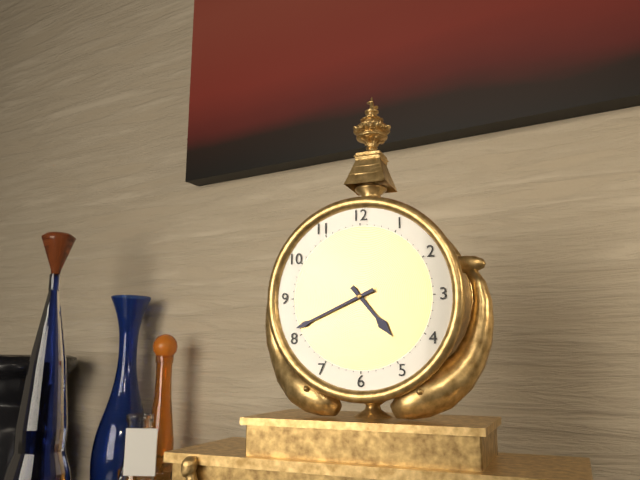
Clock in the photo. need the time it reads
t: 4:41
